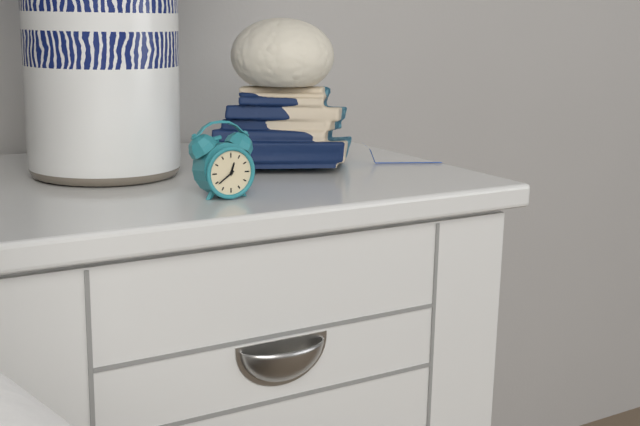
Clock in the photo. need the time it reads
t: 12:39
